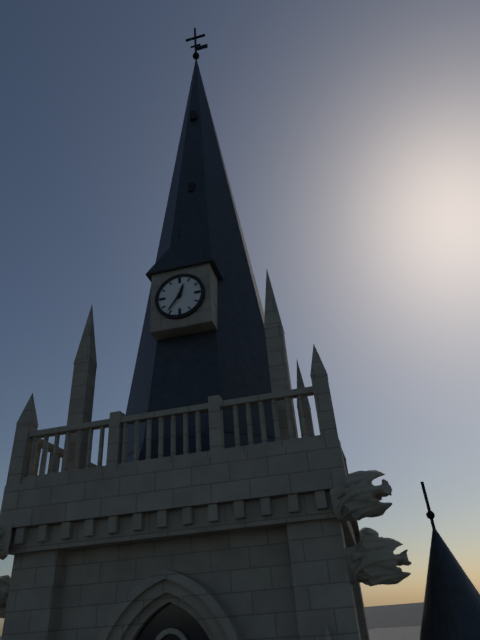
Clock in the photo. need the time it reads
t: 12:36
